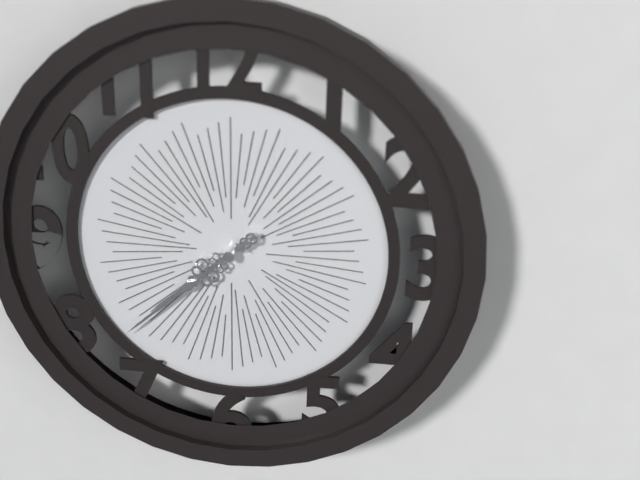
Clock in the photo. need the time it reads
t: 7:38
